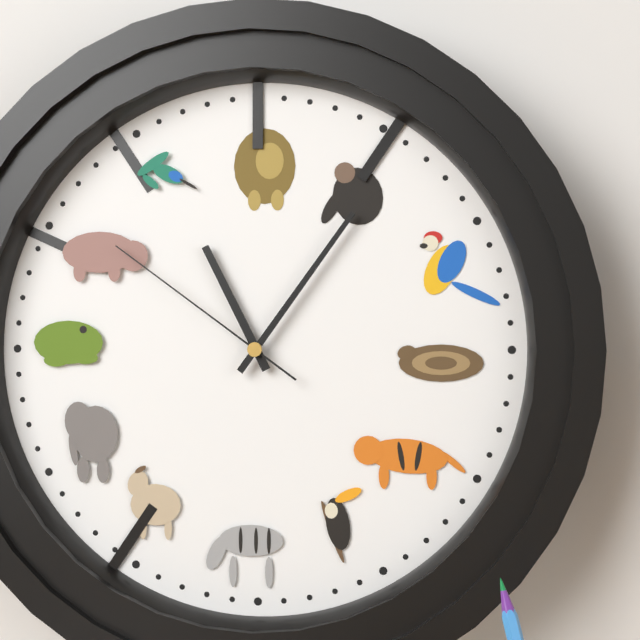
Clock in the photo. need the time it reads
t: 11:06:51
